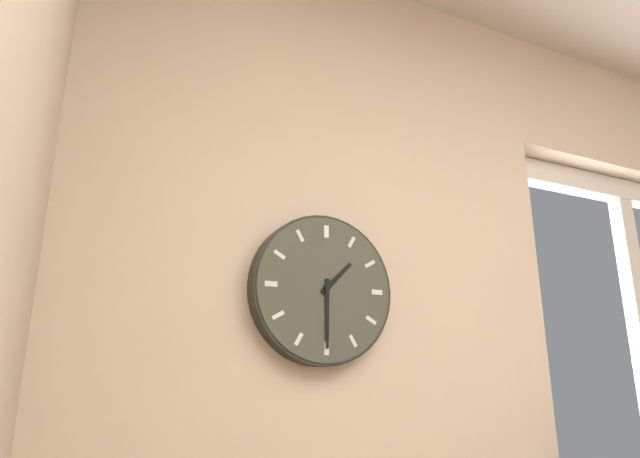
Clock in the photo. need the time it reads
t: 1:30
